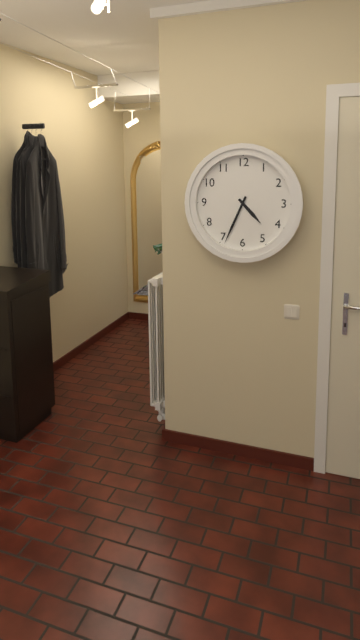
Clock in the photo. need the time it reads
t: 4:34
